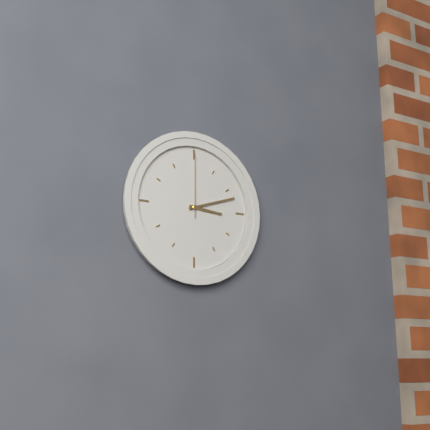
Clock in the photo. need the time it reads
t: 3:12:00
